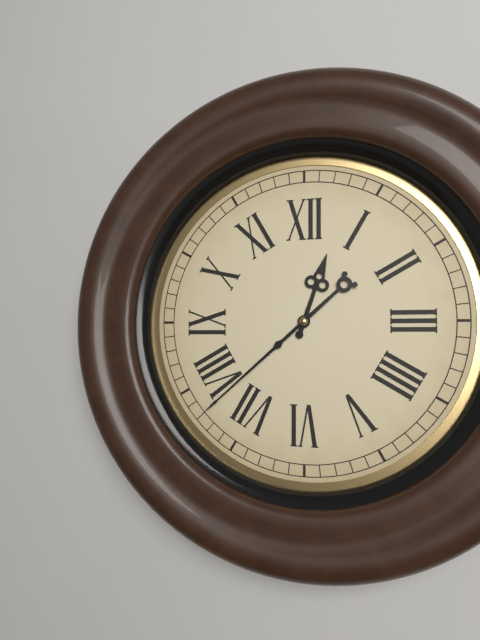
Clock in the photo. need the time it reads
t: 12:38
